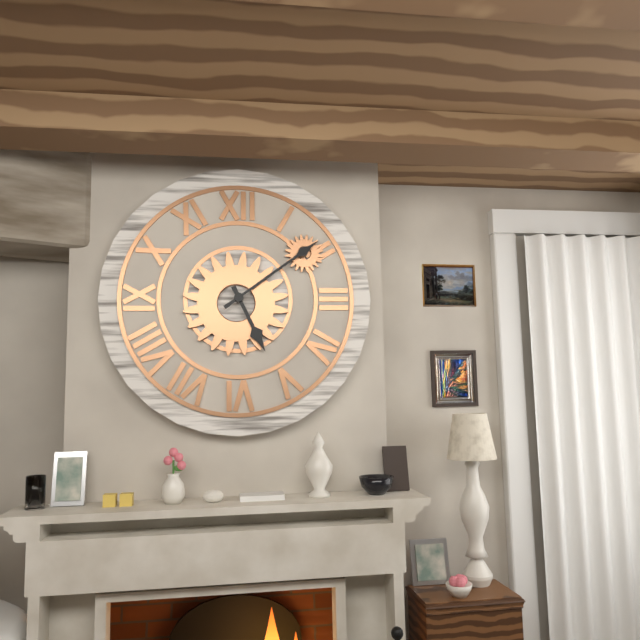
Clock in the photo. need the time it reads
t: 5:09
